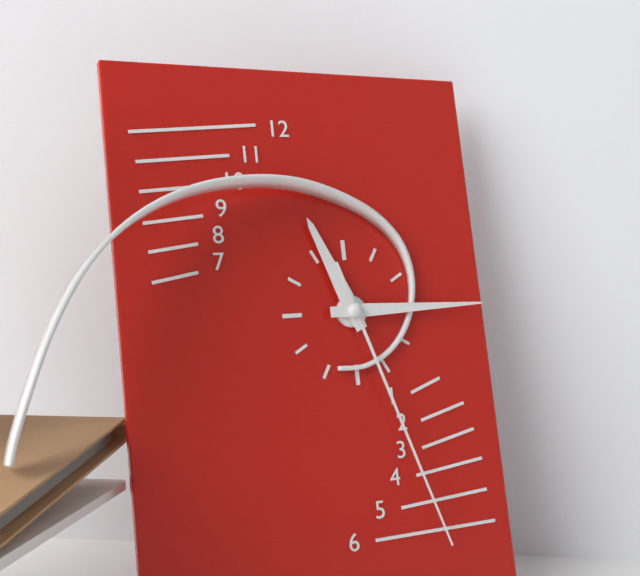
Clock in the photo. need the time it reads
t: 11:15:27
